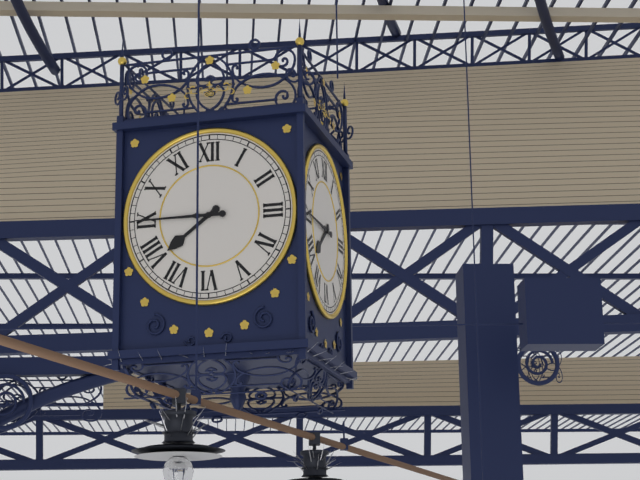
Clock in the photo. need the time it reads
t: 7:45
